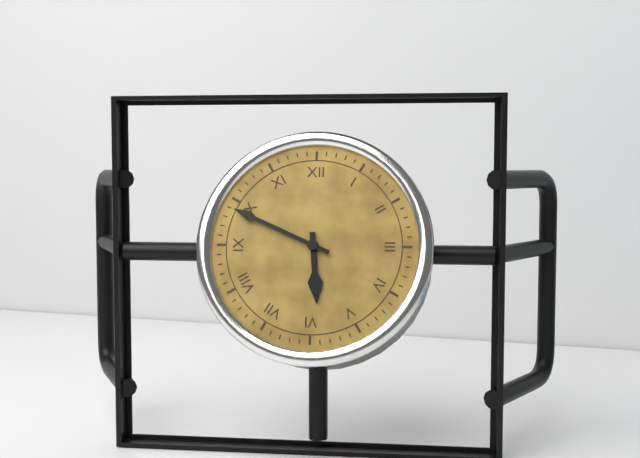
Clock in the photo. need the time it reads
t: 5:49
